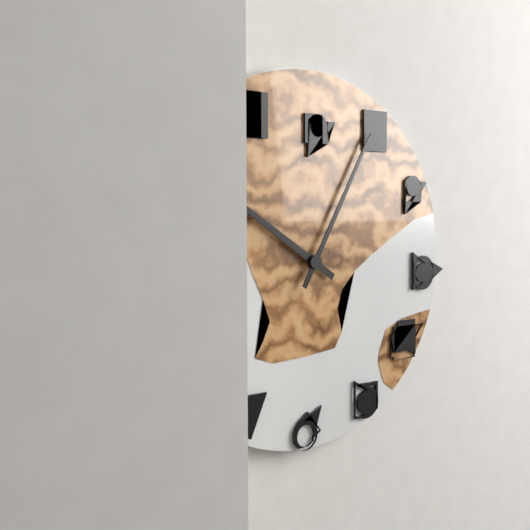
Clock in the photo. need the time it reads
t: 10:05
